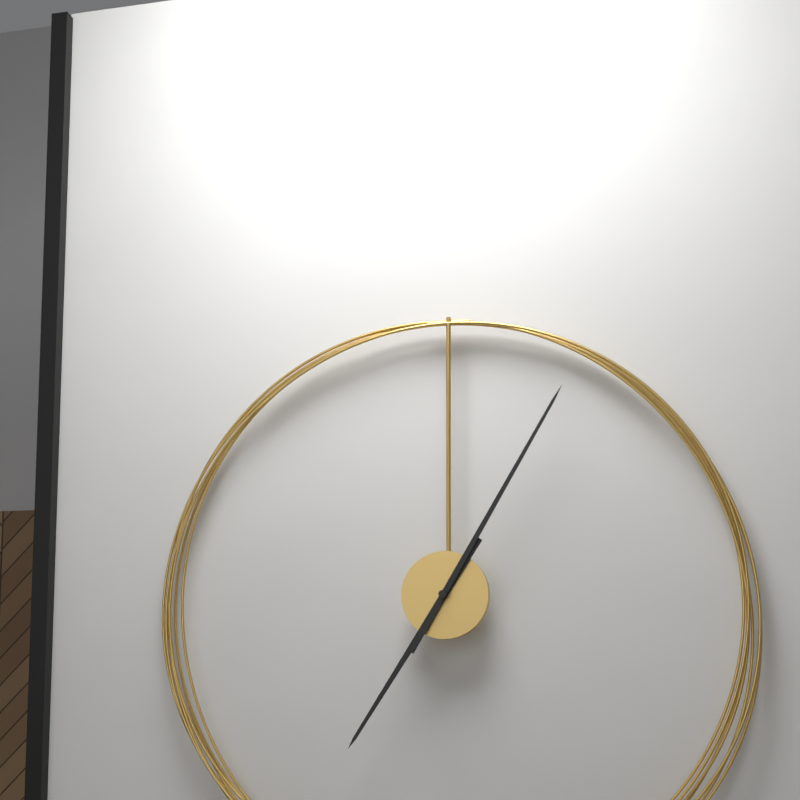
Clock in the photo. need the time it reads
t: 7:05
